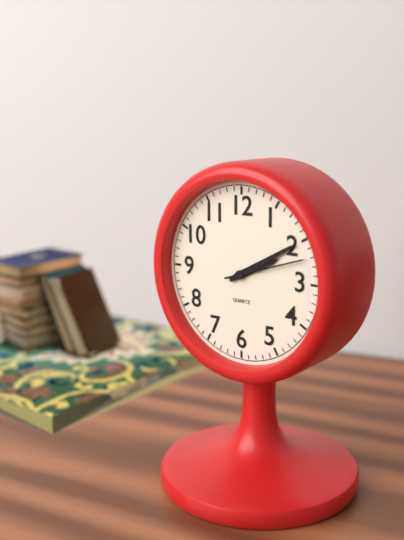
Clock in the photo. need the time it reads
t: 2:10:12
